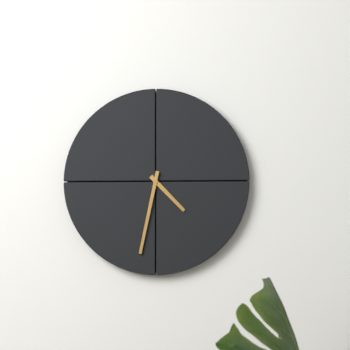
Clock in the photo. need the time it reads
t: 4:32
